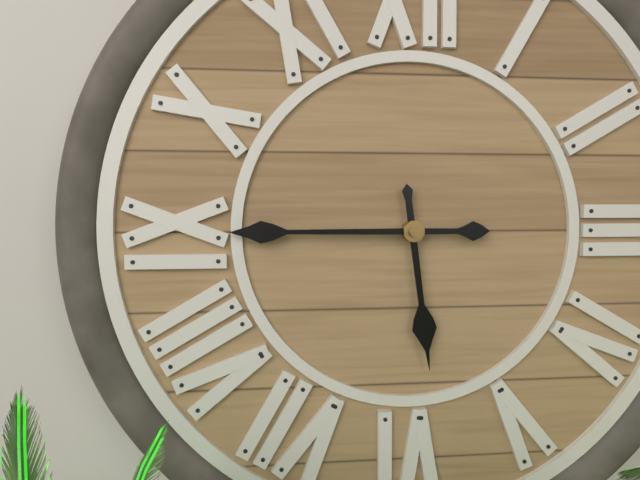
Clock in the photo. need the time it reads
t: 5:45
